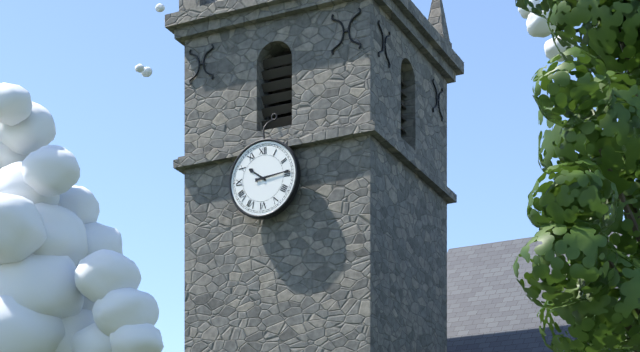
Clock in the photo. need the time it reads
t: 10:14
